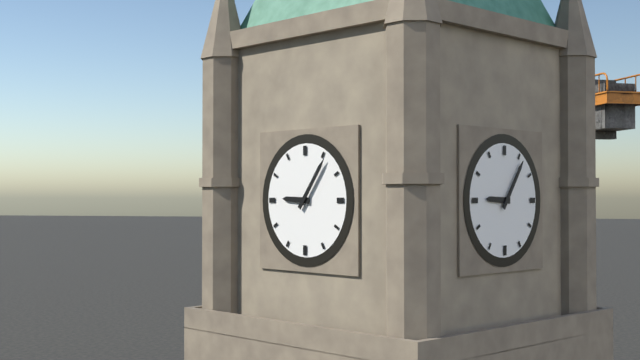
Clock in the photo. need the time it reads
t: 9:06
